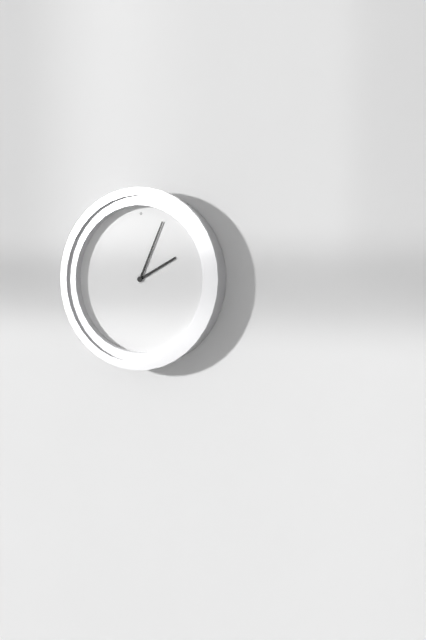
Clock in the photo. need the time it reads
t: 2:04
